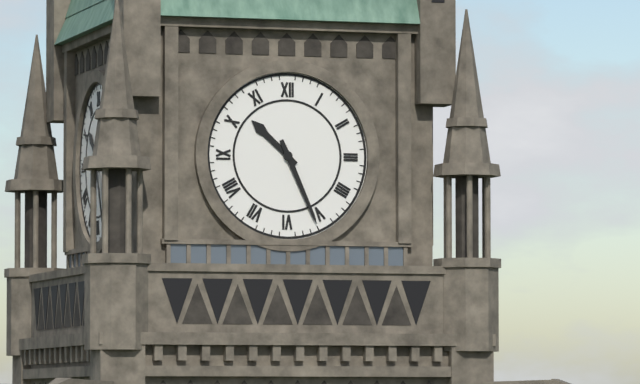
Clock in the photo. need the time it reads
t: 10:26
